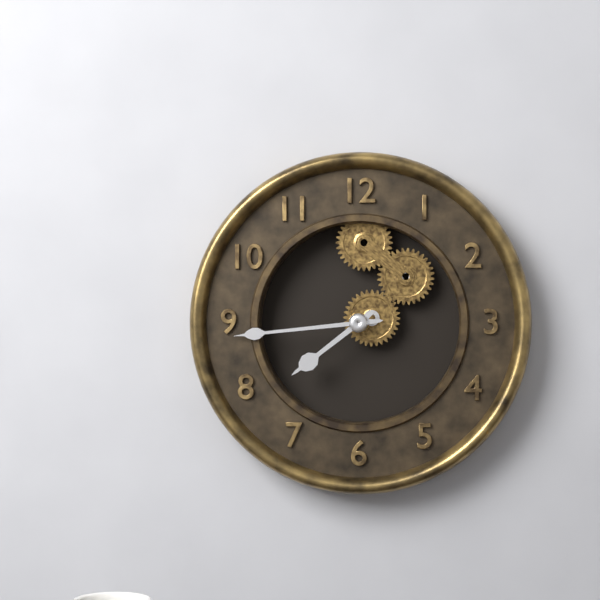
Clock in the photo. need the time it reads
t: 7:44
